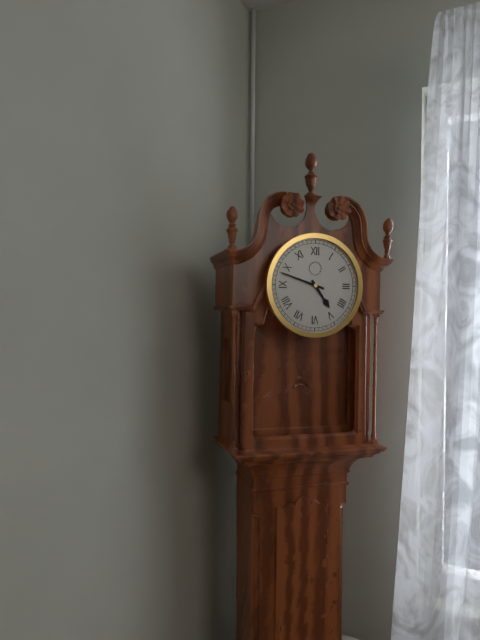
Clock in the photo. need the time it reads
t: 4:48
